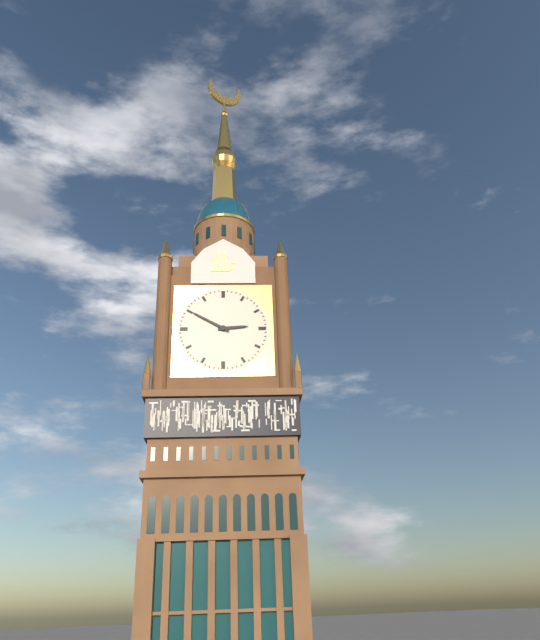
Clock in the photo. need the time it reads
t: 2:50
